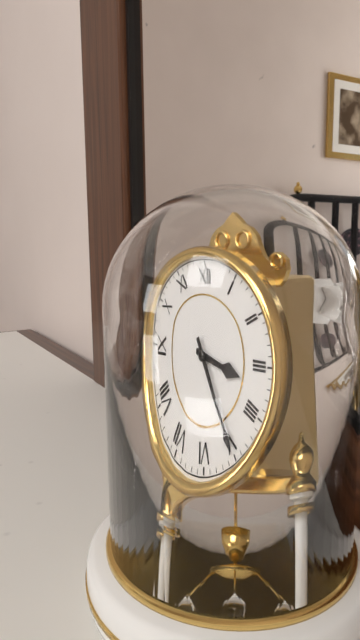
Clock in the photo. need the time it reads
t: 3:25
